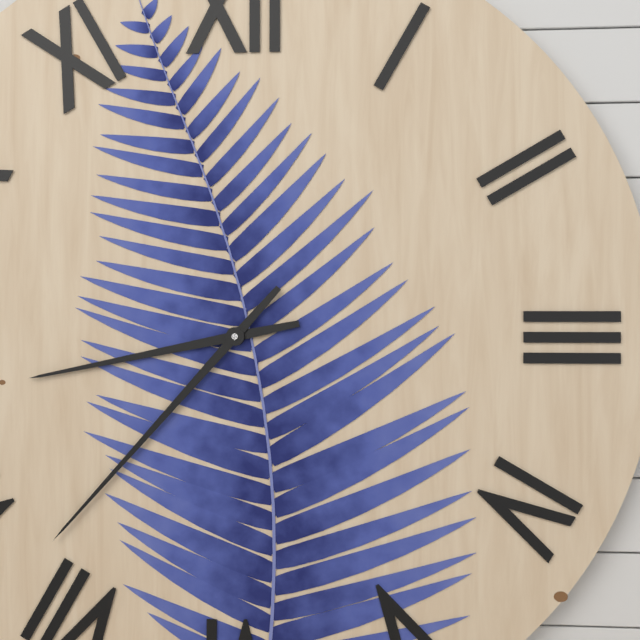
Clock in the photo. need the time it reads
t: 8:37
